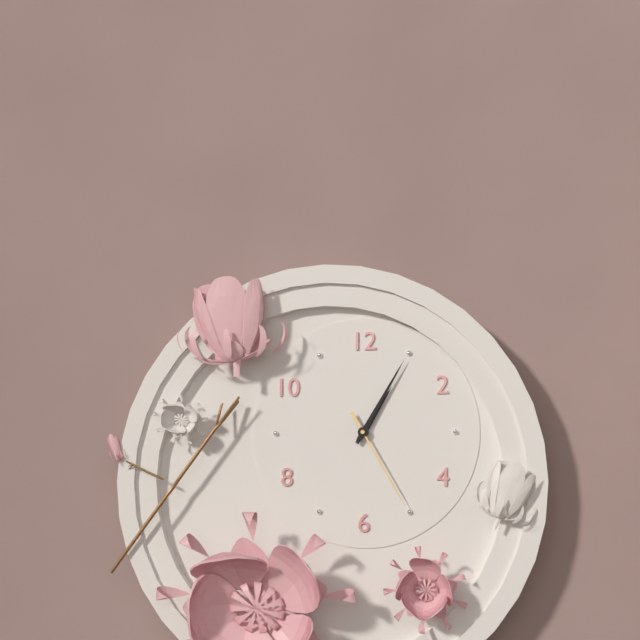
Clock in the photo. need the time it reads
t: 1:05:25
